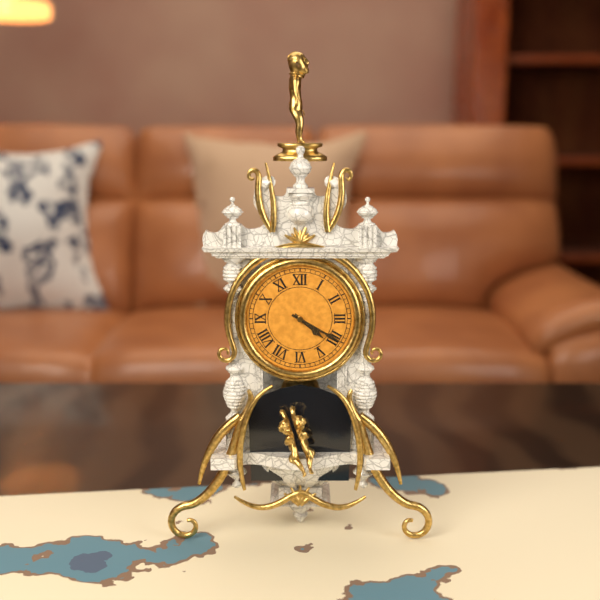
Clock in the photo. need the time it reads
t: 4:20
